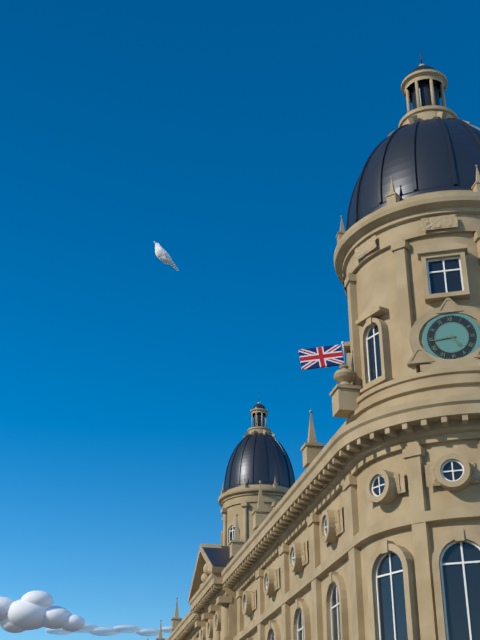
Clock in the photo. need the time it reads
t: 4:44
